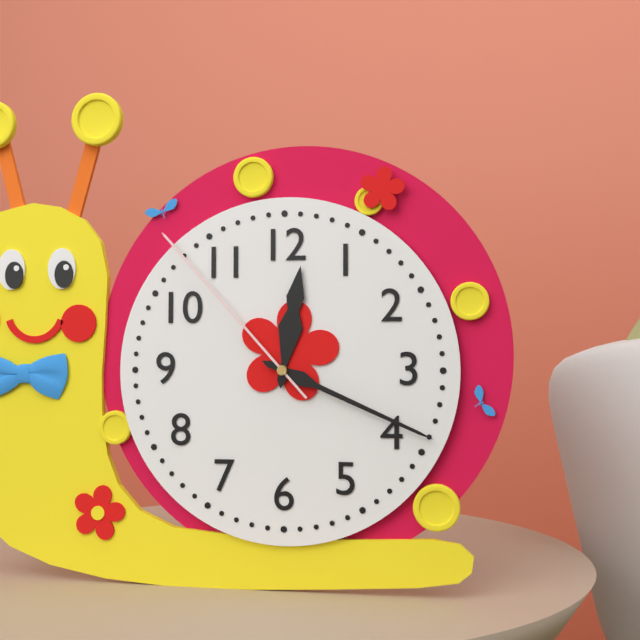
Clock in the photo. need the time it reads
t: 12:19:53
